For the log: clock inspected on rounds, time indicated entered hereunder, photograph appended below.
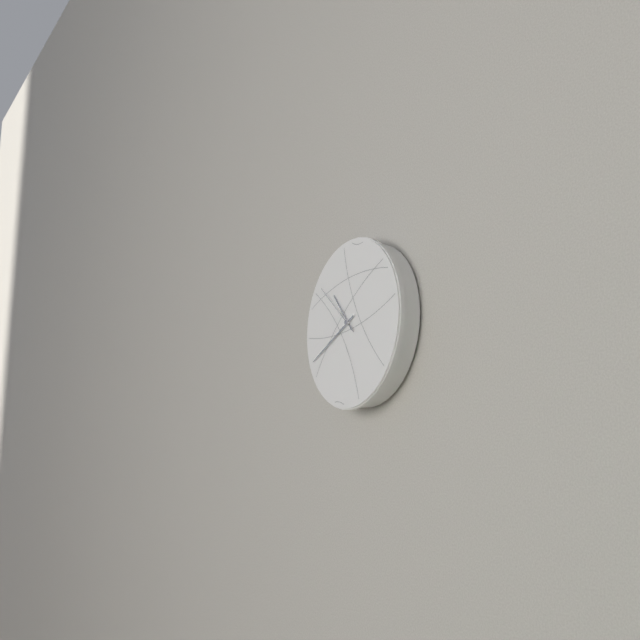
10:41:52
